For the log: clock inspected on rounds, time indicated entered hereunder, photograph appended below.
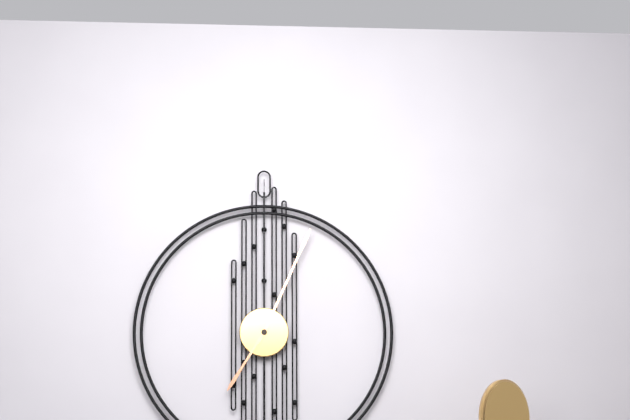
7:04
